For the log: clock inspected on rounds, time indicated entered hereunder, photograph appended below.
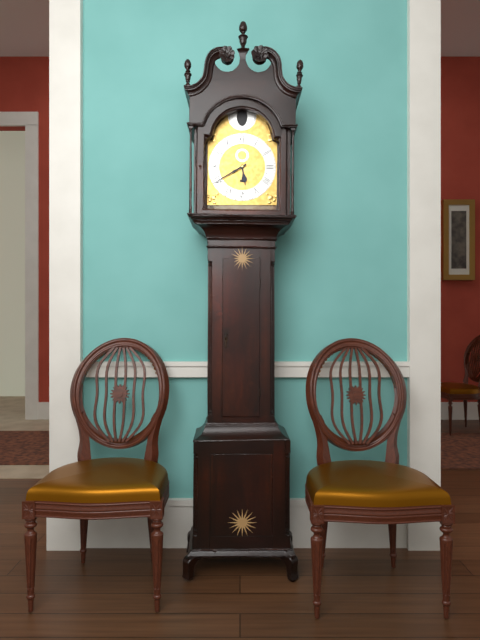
5:40
